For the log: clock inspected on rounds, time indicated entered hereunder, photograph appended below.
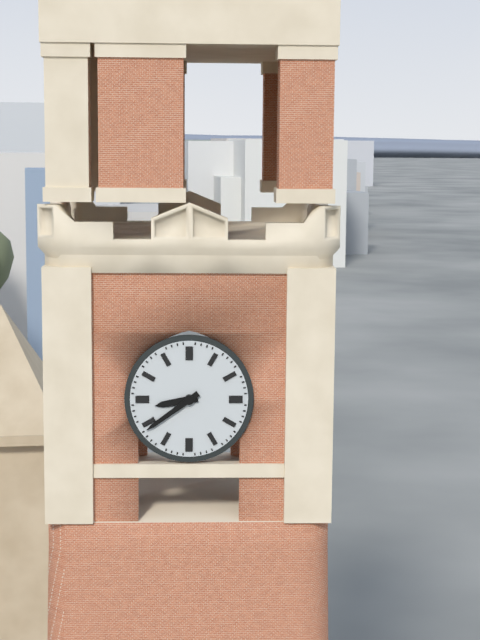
8:39
